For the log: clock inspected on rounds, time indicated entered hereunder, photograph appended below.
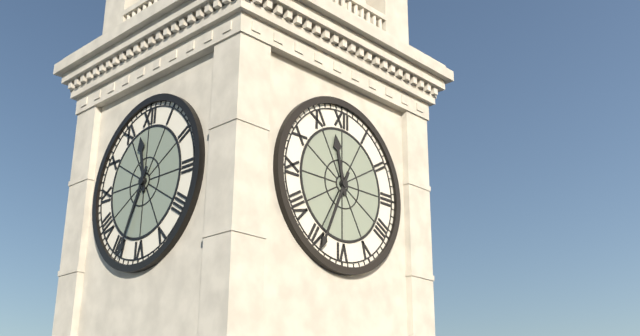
11:34
